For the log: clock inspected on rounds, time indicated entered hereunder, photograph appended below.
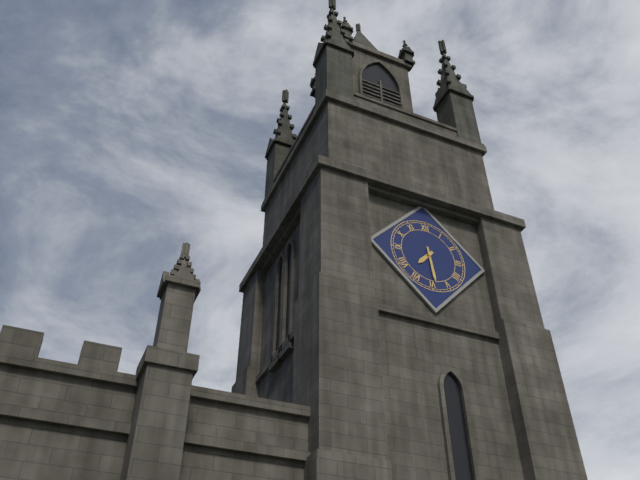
7:29
